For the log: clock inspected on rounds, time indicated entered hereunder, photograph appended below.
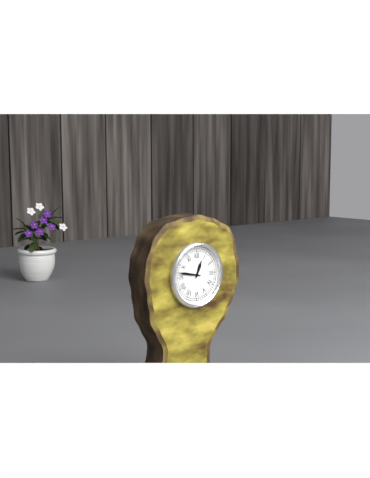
12:47
